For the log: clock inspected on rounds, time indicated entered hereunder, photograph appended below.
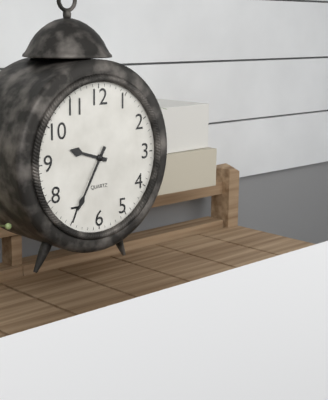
9:35
